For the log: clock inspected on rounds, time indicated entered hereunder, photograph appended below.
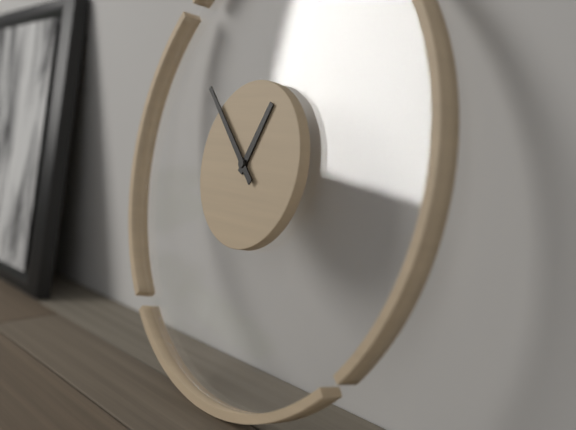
12:52
